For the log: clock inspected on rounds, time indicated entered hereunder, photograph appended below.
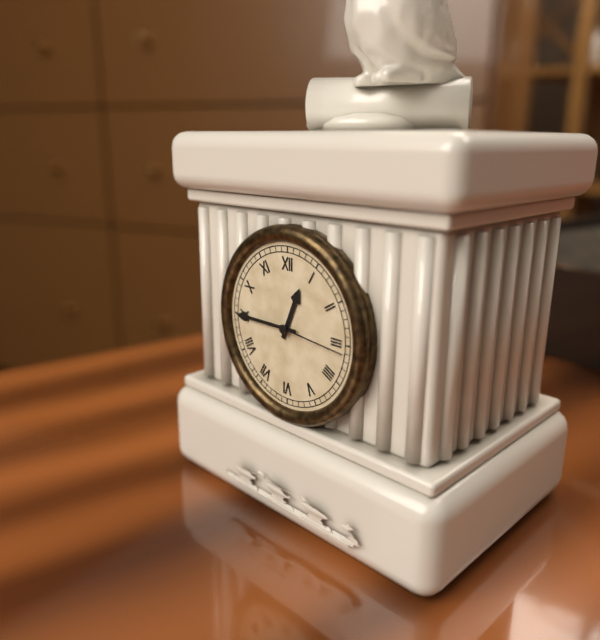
12:45:16
